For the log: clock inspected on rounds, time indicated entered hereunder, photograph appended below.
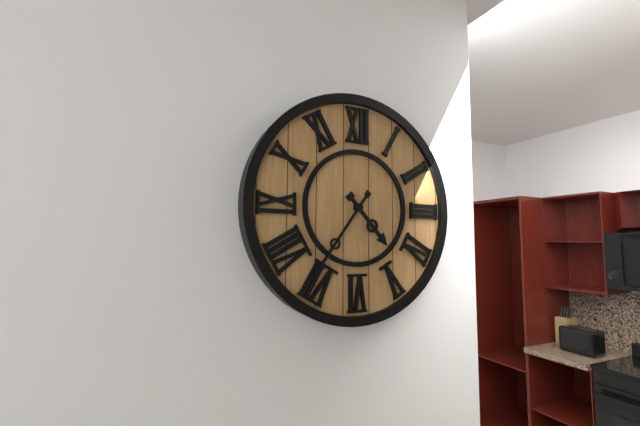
4:36
